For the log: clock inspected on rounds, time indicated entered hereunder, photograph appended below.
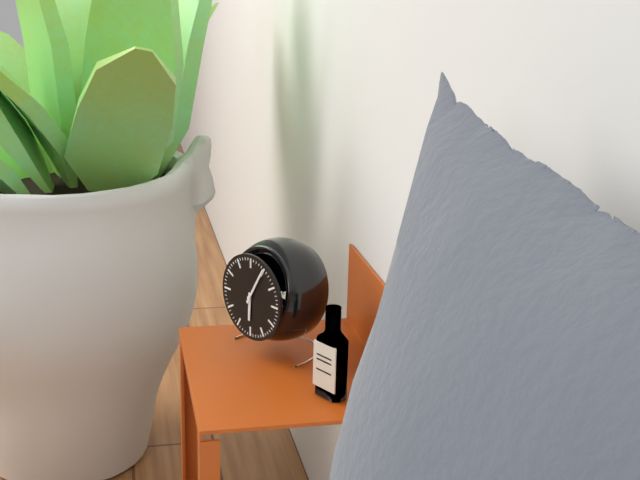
6:05
